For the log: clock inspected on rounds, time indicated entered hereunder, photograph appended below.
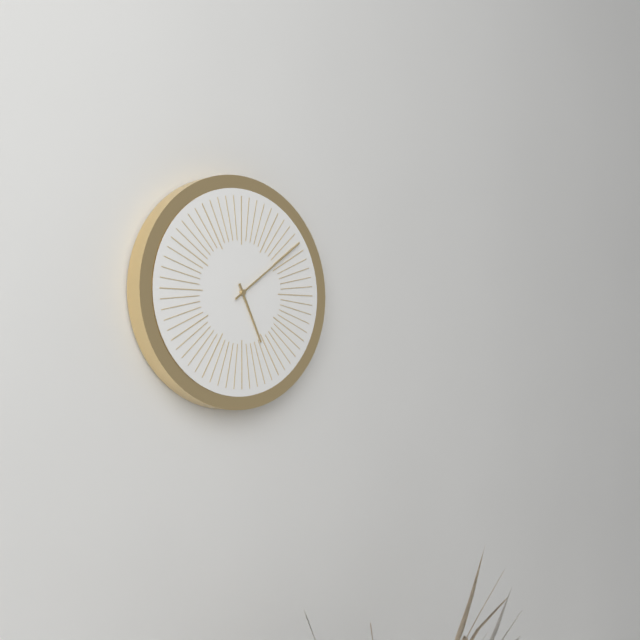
5:09
